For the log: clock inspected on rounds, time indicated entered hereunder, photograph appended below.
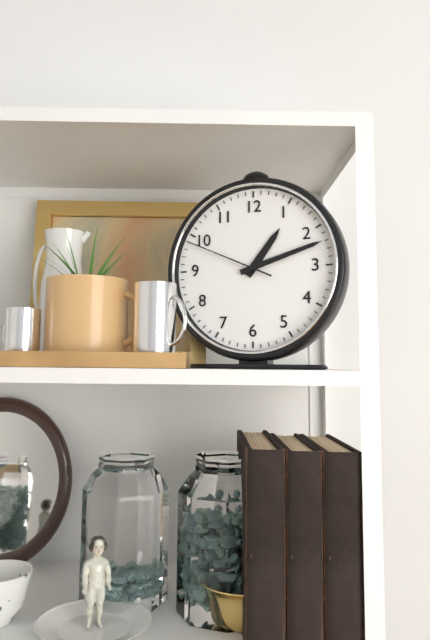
1:12:49
